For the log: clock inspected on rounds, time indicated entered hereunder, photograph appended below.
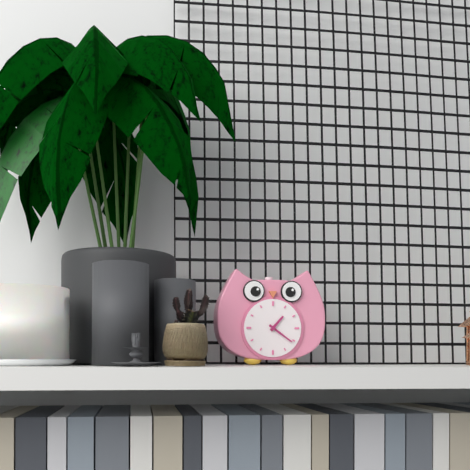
1:21
